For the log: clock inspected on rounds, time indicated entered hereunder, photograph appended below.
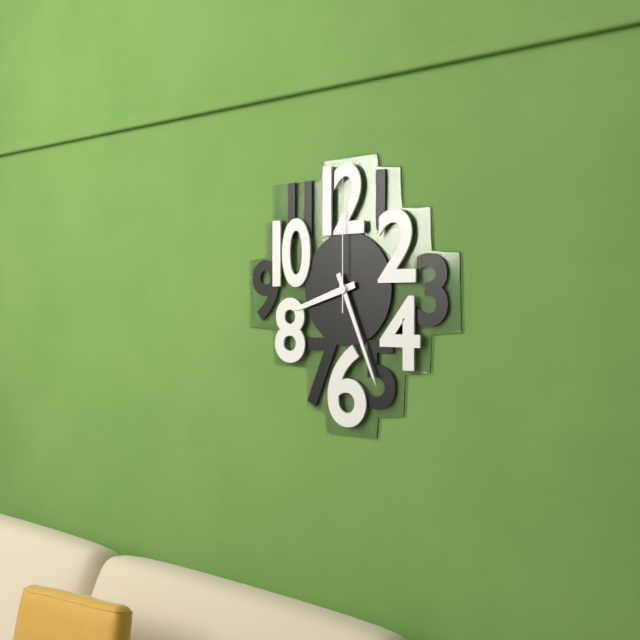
8:26:00
